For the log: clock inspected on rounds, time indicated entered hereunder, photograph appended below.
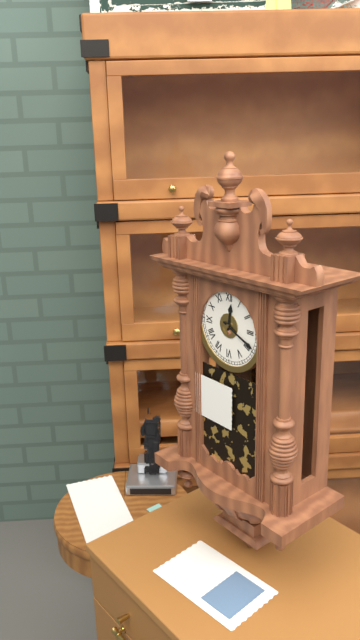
12:19
